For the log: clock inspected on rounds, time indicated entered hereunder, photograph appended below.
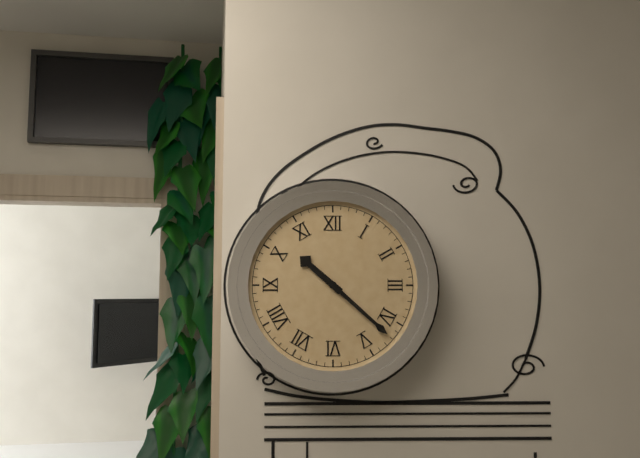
10:22
